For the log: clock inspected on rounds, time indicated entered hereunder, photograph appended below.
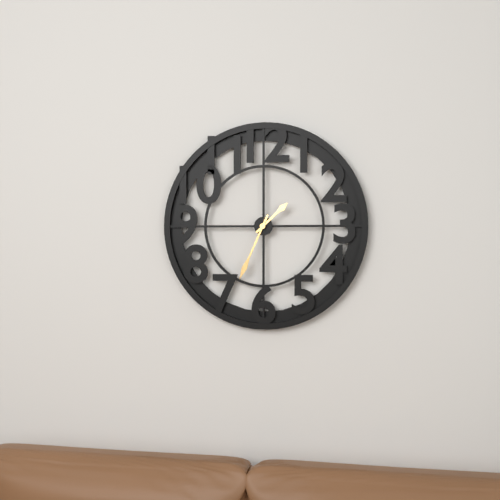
1:34
